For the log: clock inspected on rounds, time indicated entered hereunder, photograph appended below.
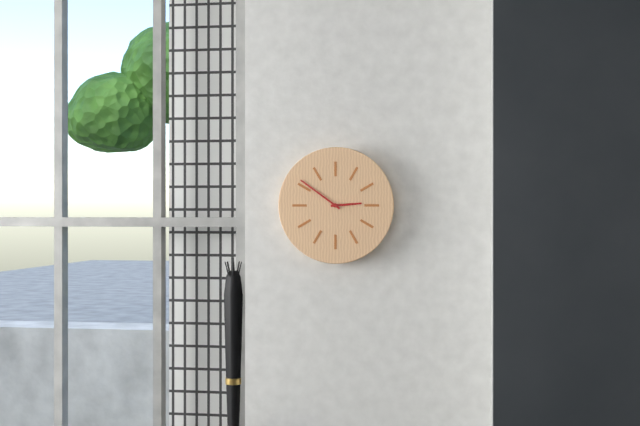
2:51
